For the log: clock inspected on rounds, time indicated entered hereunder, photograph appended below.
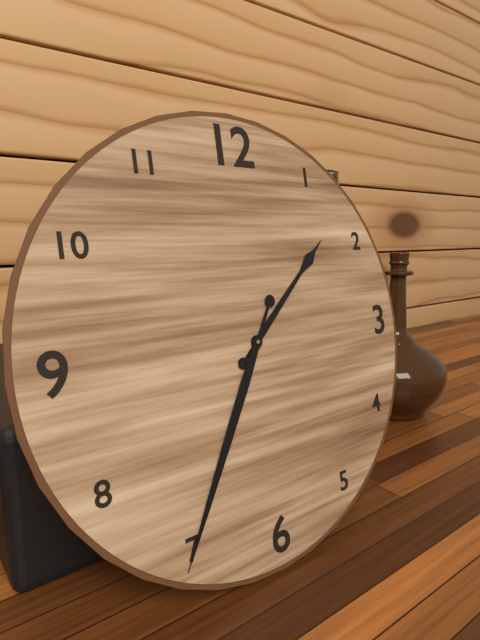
1:35
